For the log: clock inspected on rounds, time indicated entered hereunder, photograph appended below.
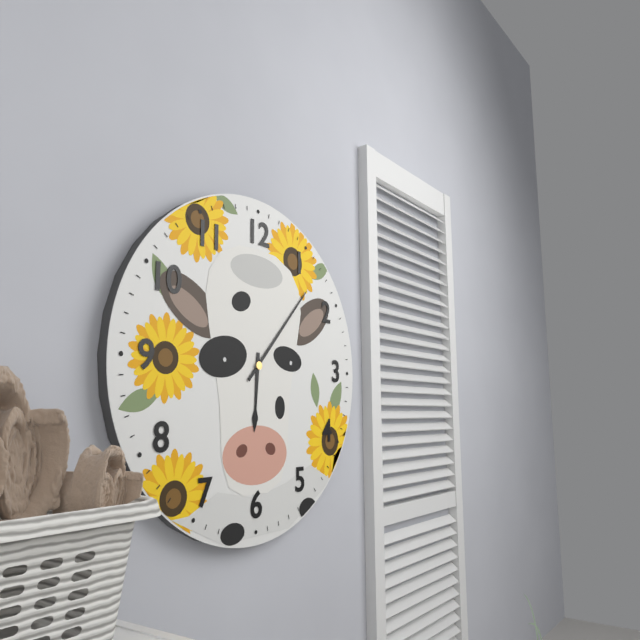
6:07
